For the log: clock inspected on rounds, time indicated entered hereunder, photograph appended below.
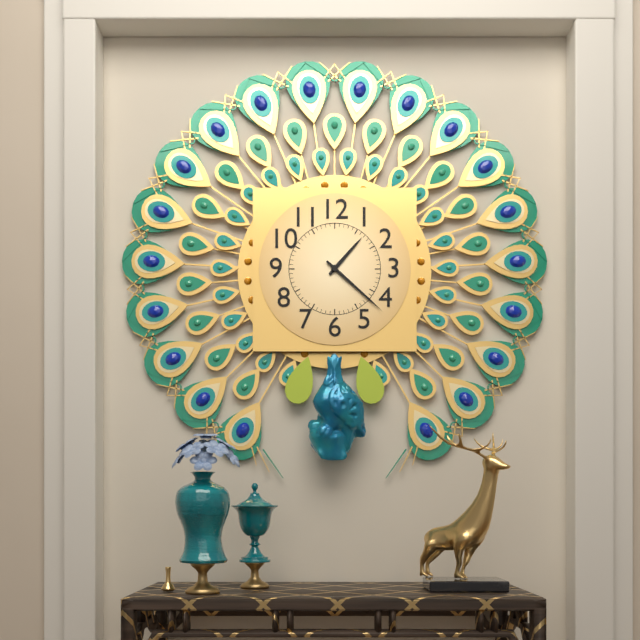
1:22
